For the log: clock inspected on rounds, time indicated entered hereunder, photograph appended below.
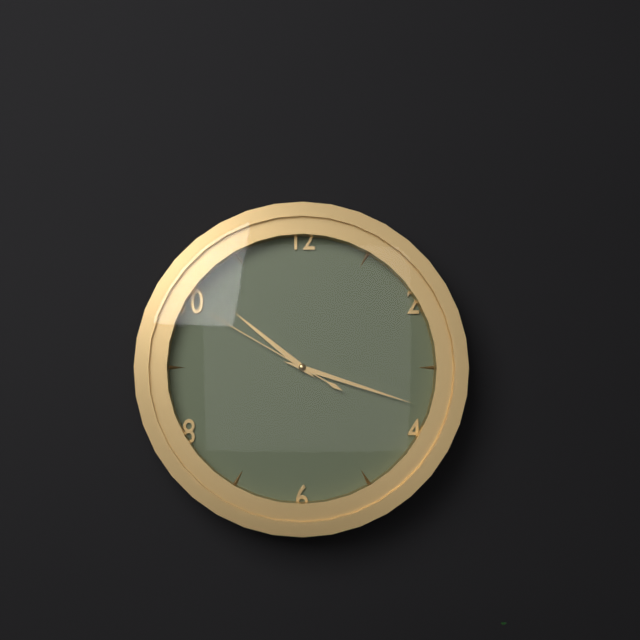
10:18:50
